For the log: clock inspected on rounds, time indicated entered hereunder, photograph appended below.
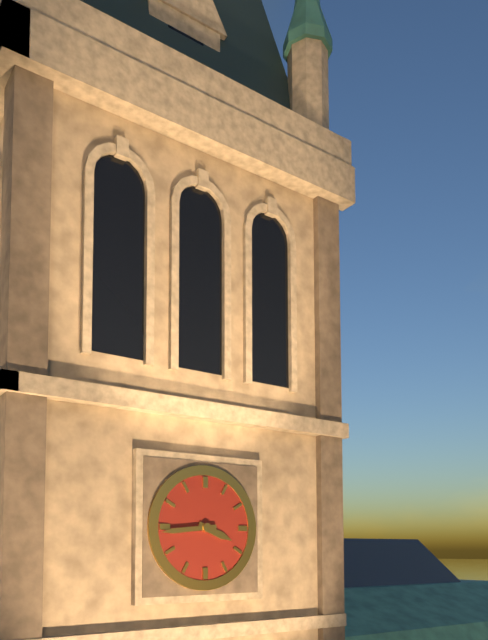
3:44
